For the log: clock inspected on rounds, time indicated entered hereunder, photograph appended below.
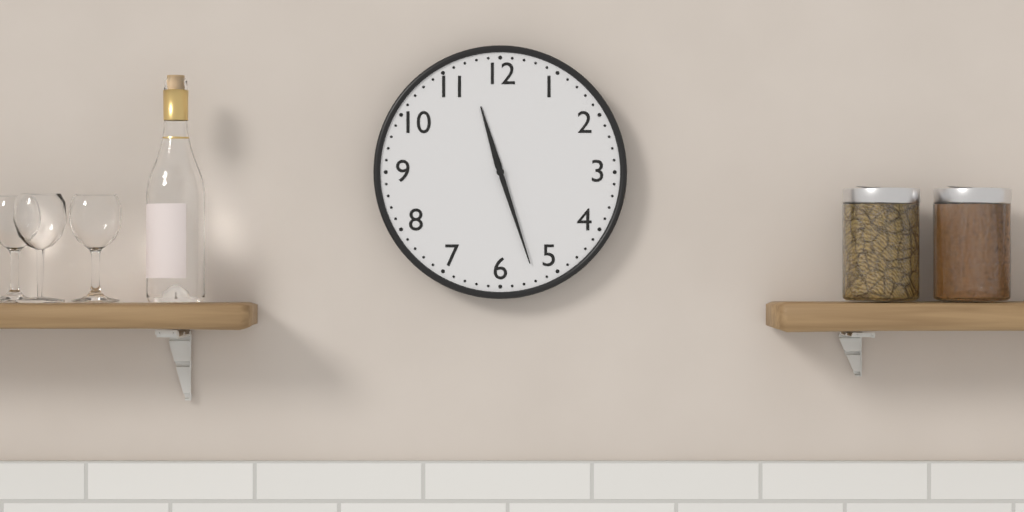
11:27
